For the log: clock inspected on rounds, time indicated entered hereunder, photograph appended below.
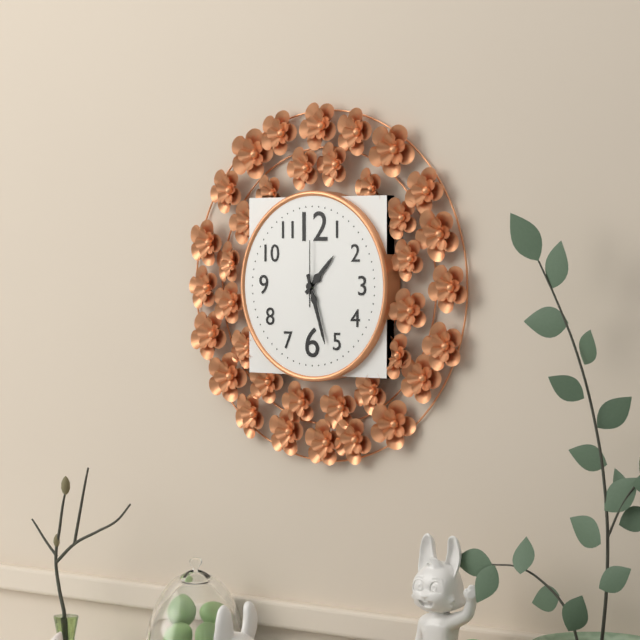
1:27:00
